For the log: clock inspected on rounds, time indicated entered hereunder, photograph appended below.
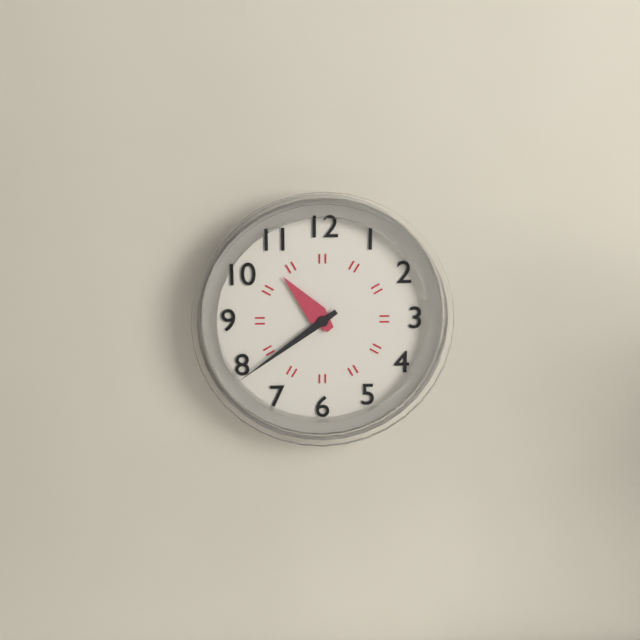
10:39
